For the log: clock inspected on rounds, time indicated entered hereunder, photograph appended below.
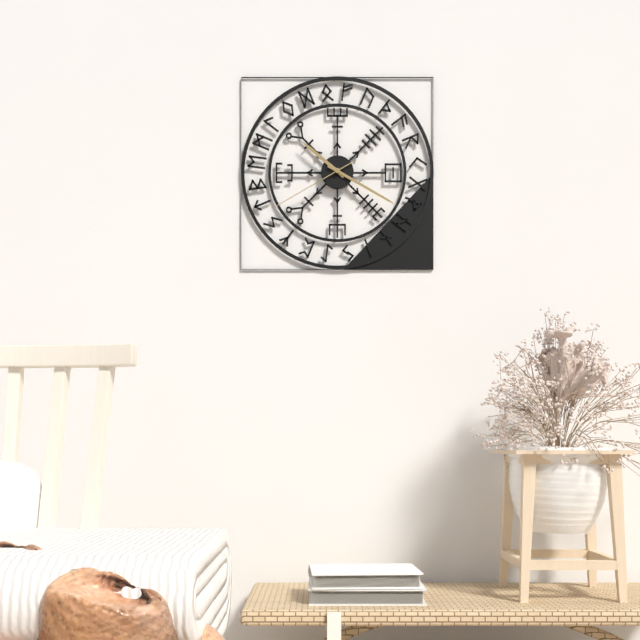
10:20:40
